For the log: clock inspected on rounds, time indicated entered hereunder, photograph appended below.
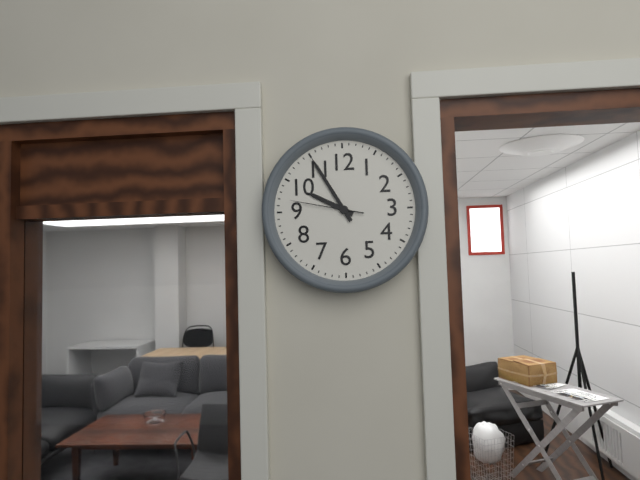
9:55:47
